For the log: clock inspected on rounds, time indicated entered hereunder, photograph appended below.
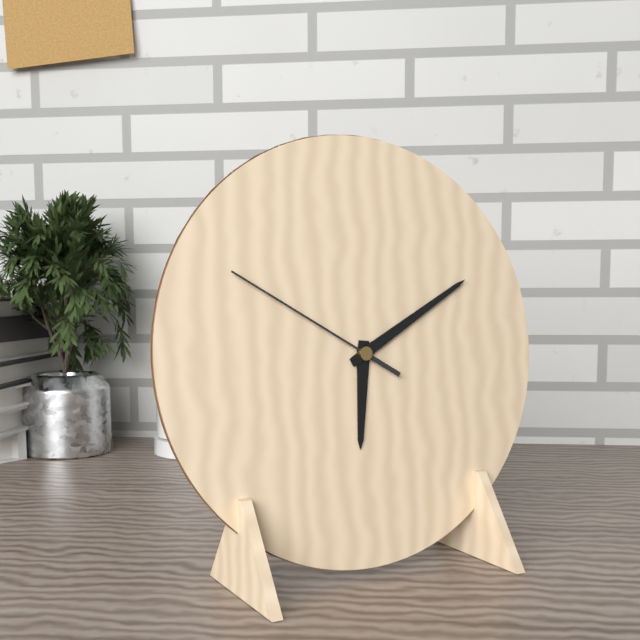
6:10:50
